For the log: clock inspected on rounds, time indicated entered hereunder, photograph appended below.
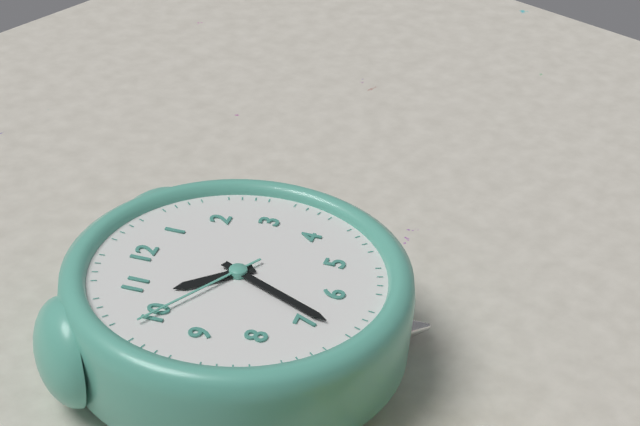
10:34:50
